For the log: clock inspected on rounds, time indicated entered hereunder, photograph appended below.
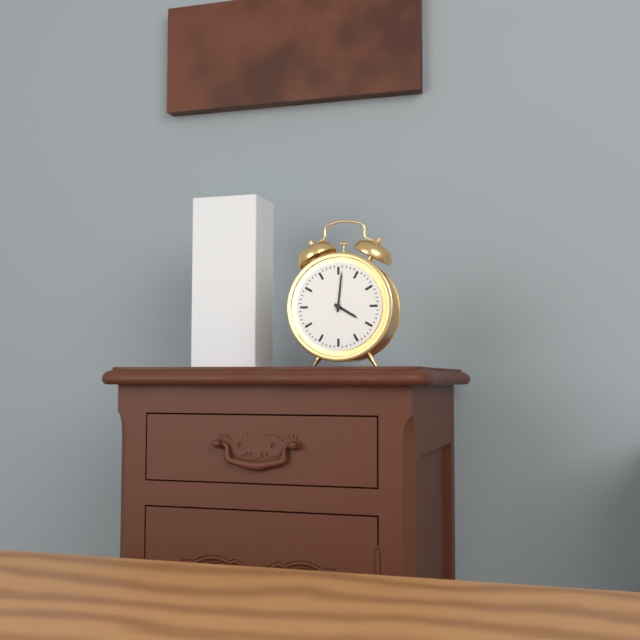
4:01
